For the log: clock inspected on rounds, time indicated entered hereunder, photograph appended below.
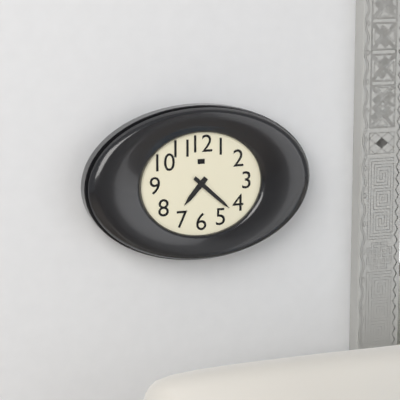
7:22
